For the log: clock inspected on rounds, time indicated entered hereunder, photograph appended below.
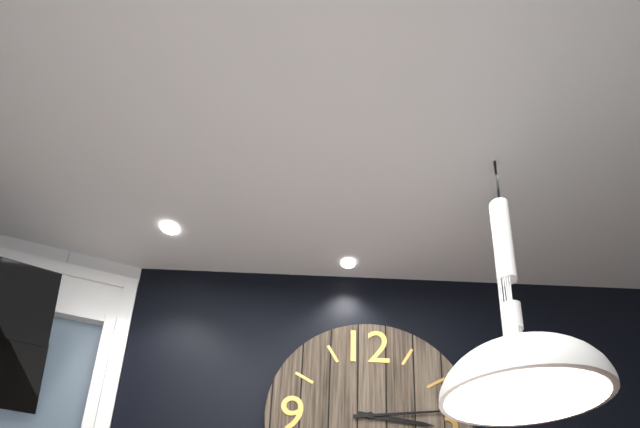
3:14
